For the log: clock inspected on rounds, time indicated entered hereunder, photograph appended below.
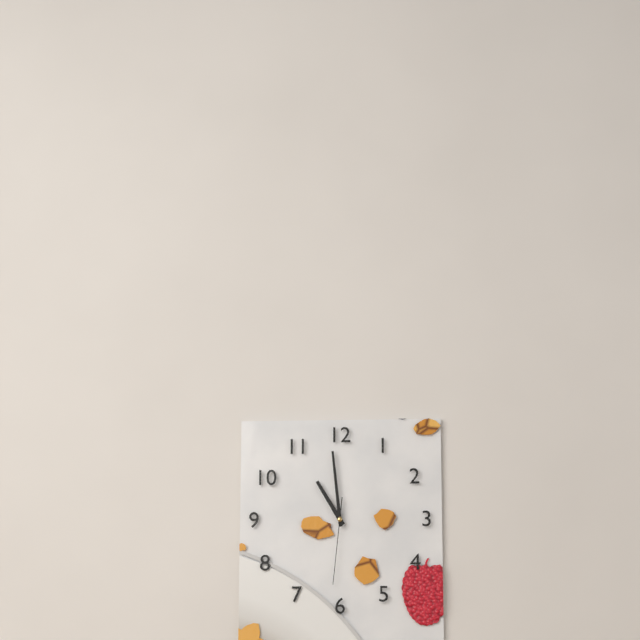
10:59:31
